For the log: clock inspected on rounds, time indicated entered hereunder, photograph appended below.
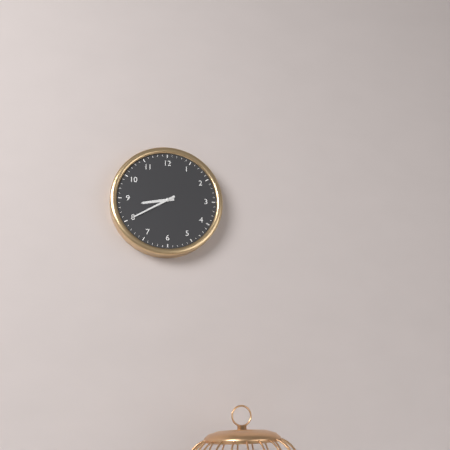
8:40
